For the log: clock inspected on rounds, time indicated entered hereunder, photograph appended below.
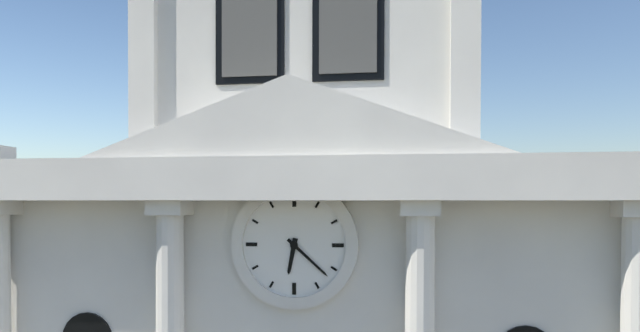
6:22
